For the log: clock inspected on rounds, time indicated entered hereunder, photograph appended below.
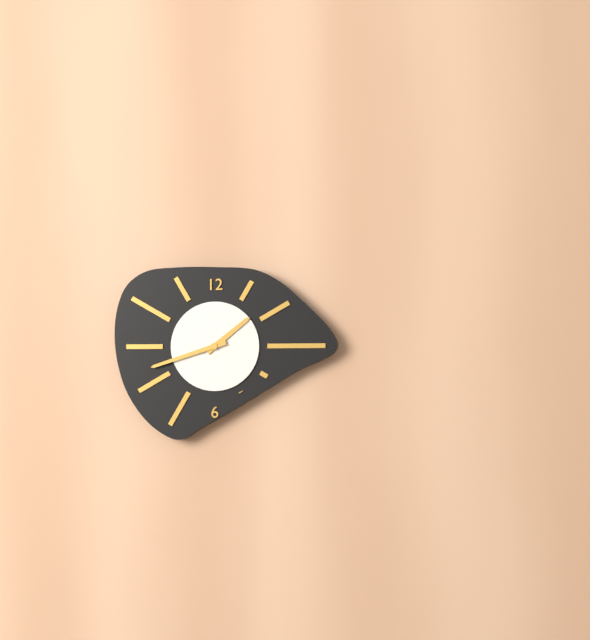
1:42
